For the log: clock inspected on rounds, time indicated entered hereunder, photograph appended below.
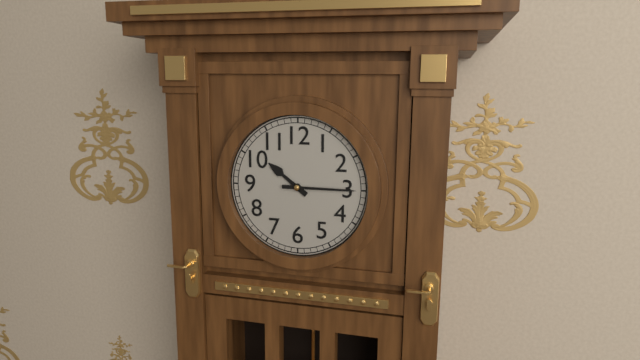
10:15
